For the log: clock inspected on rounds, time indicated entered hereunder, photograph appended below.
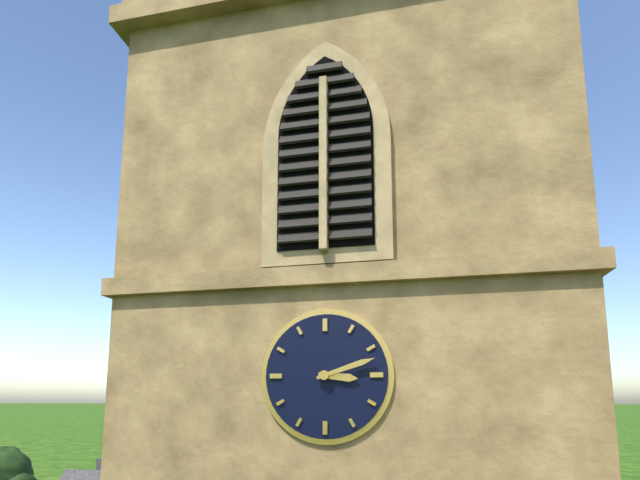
3:12
